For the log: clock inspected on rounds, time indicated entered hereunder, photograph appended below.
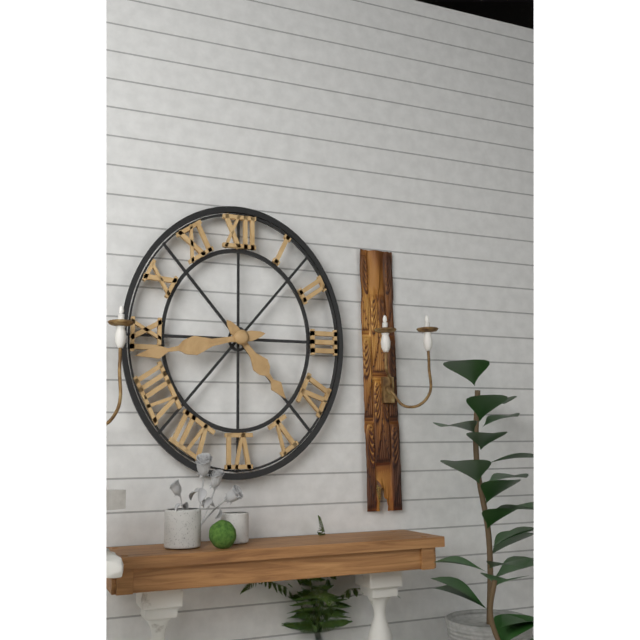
4:43
